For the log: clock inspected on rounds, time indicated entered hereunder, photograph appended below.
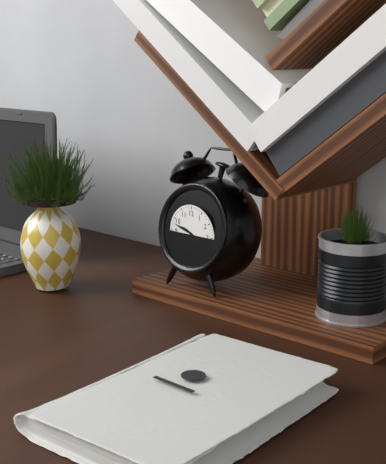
9:48
